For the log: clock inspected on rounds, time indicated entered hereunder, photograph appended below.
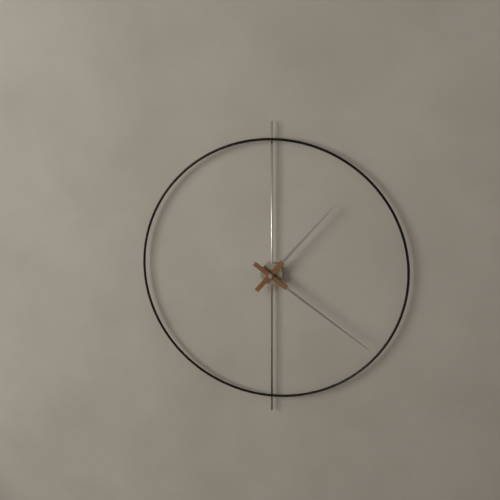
1:21
